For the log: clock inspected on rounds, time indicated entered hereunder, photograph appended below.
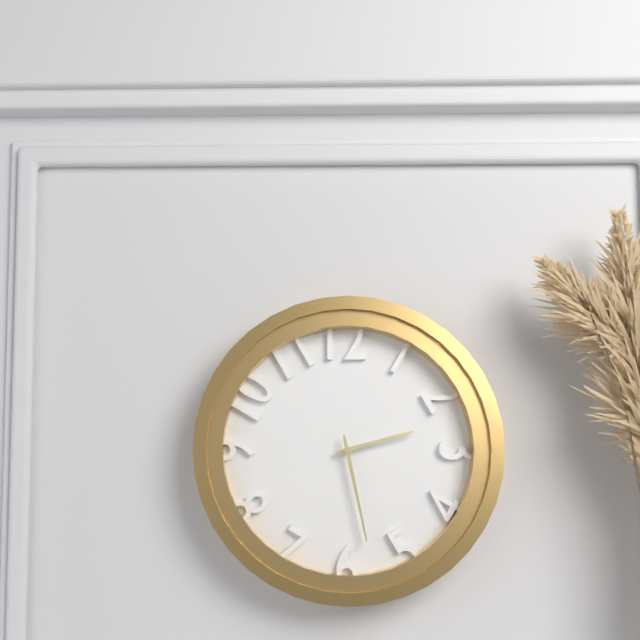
2:28
